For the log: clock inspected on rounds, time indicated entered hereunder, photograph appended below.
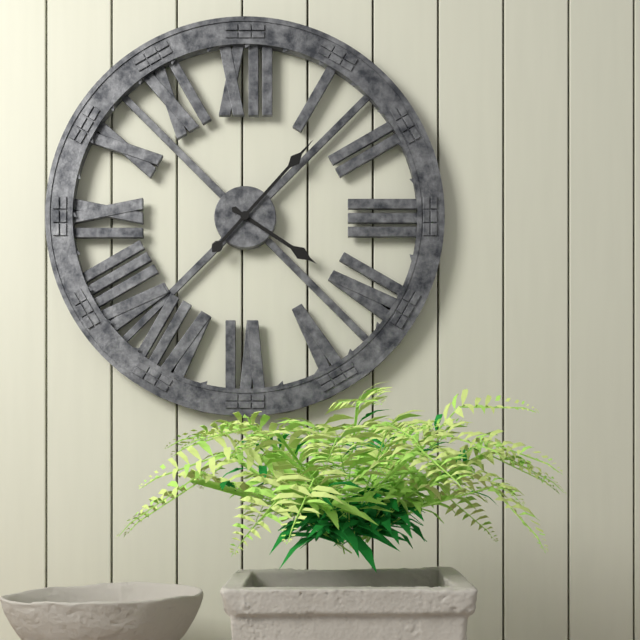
4:07
